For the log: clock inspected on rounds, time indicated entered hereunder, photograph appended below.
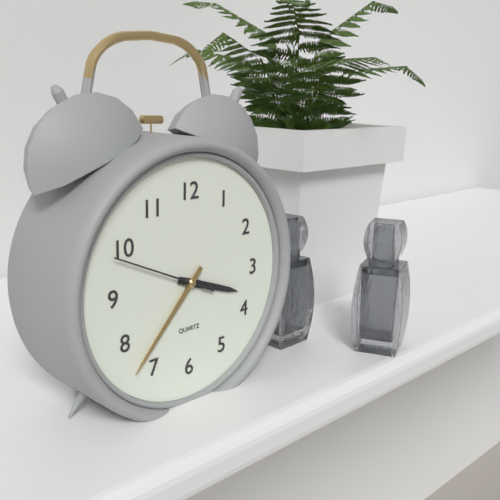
3:37:49
